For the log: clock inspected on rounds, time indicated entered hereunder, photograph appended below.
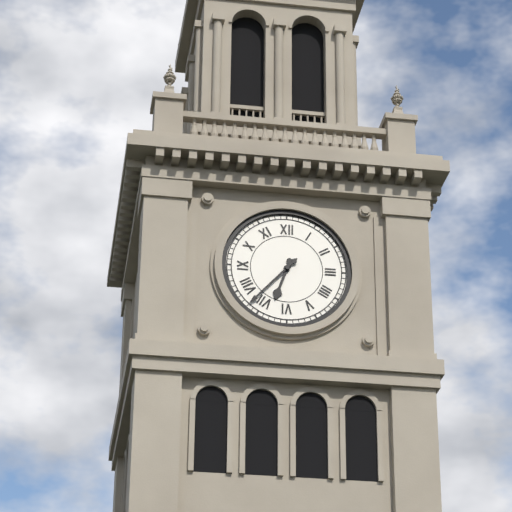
6:37
